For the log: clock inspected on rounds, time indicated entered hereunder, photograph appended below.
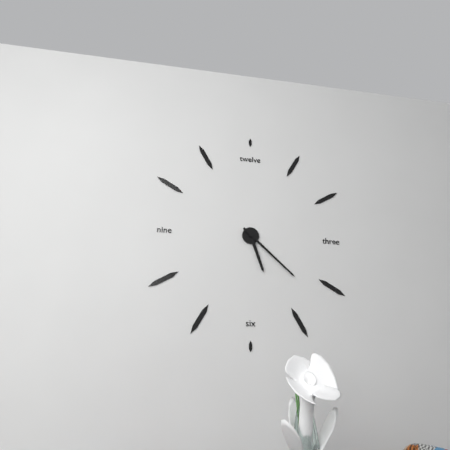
5:22
